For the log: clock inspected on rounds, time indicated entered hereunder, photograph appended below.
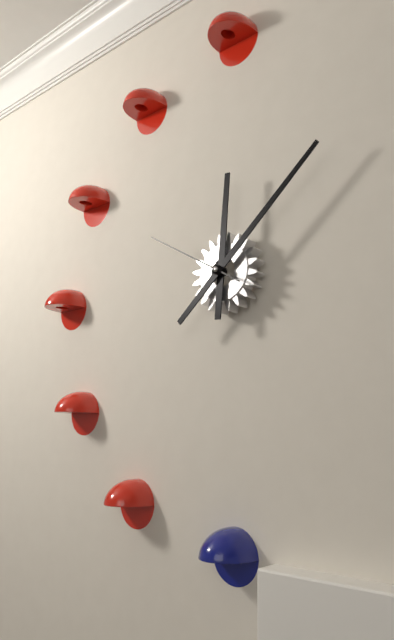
12:08:50
